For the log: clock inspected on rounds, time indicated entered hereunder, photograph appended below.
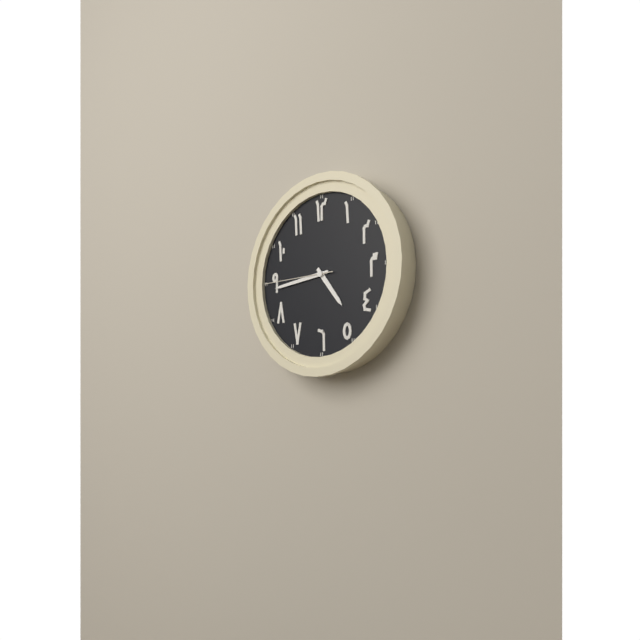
4:44:45
